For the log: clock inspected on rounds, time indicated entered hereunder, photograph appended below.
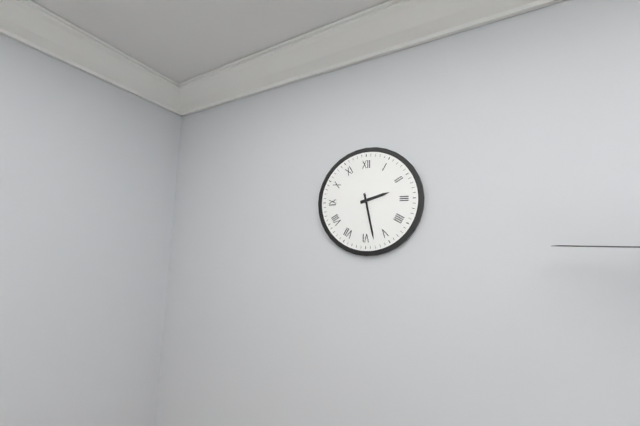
2:28
